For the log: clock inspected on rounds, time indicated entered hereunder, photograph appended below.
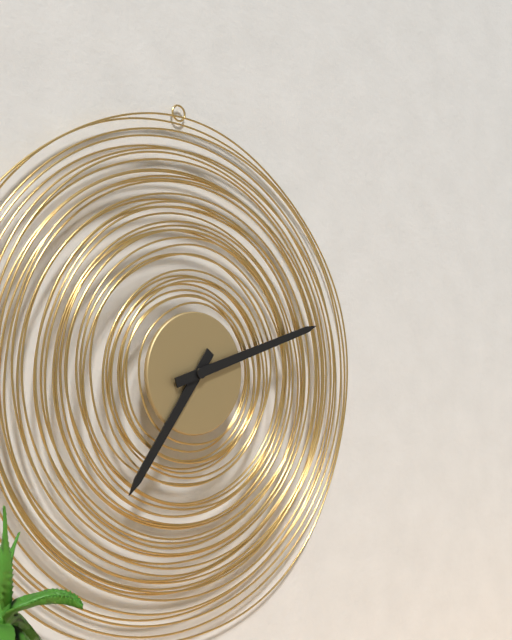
7:12
